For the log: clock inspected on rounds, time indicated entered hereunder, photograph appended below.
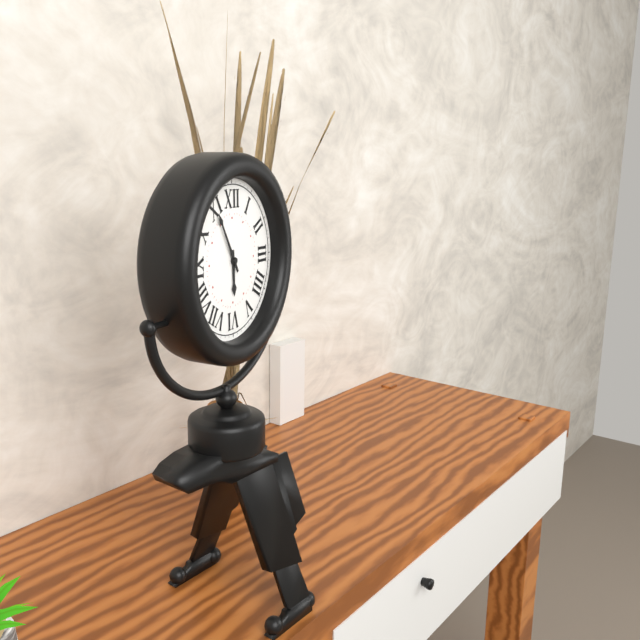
5:55
